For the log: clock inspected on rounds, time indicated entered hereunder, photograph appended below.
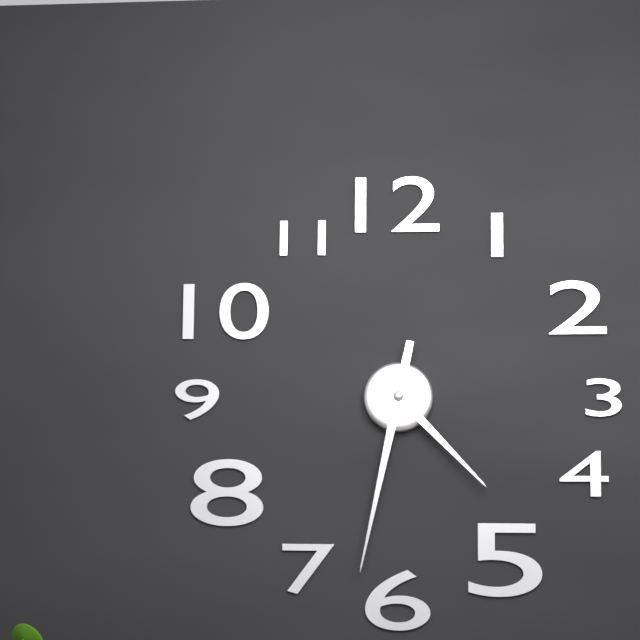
4:32
